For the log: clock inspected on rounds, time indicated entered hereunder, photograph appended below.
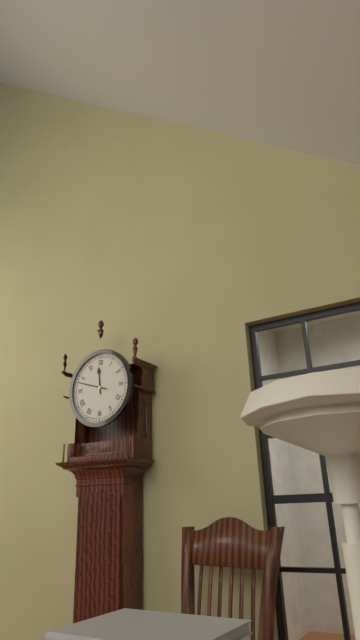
11:48
